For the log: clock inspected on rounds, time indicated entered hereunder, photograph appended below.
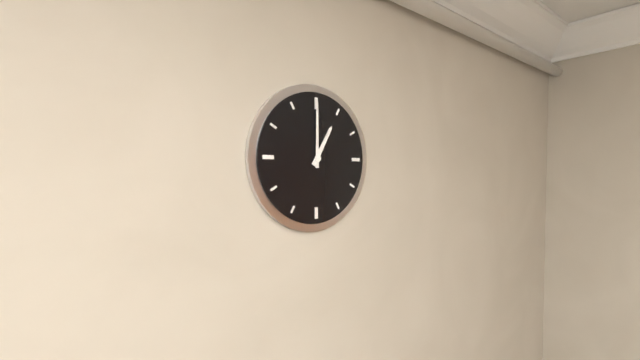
1:00
